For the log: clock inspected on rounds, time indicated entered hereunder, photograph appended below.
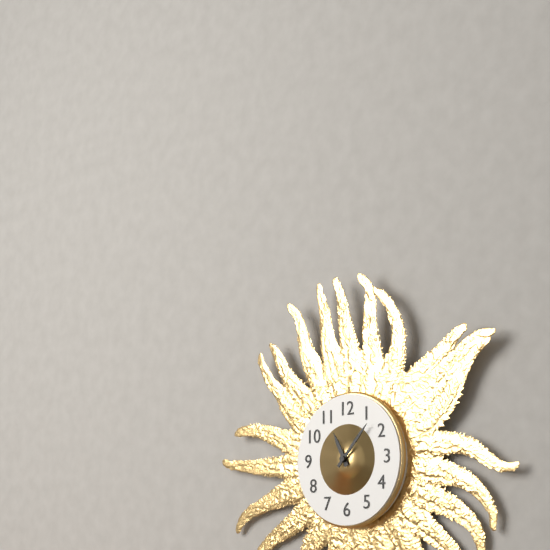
11:07
